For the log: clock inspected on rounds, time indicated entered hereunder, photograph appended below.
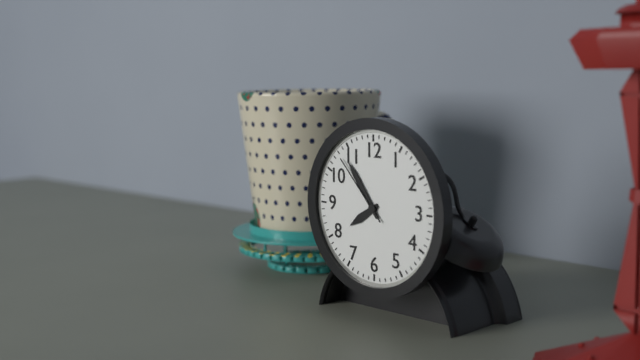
7:54:53
